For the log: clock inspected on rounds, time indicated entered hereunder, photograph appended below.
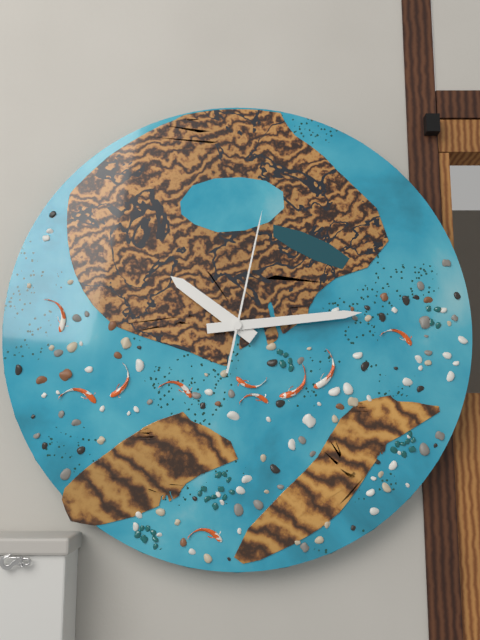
10:14:02
